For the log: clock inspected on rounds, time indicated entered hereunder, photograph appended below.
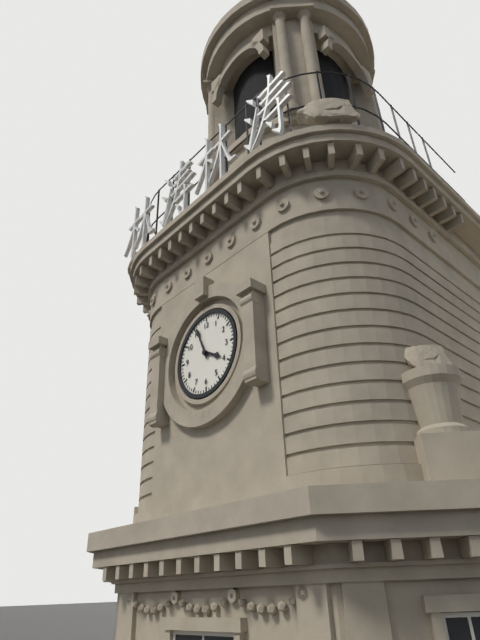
3:56
